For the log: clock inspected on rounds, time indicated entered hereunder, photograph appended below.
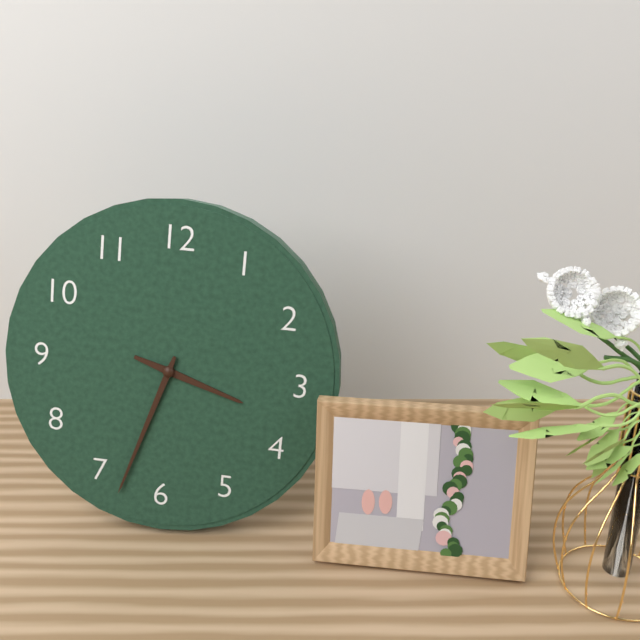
3:33
